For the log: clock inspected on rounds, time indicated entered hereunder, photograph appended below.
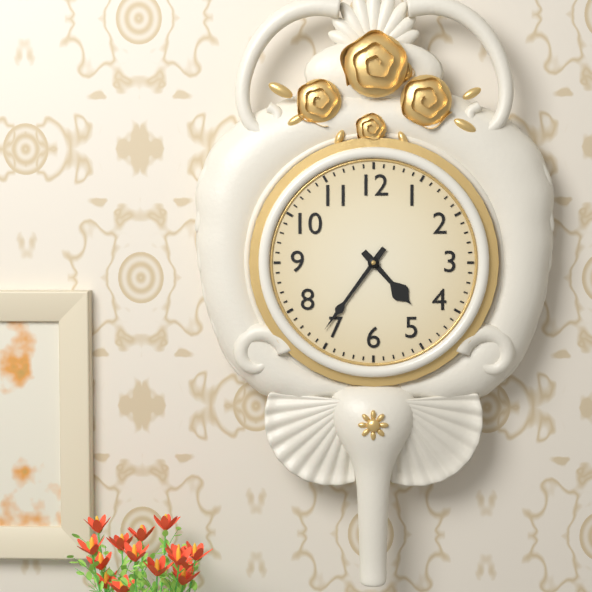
4:36
